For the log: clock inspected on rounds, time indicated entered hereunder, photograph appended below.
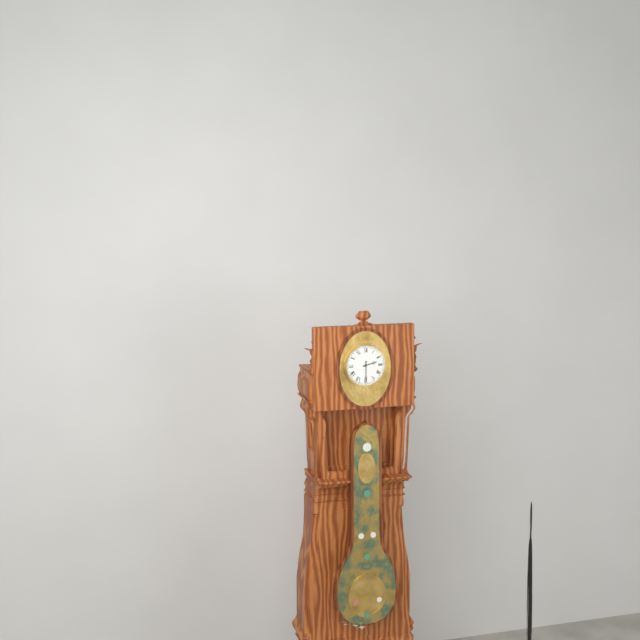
2:30
